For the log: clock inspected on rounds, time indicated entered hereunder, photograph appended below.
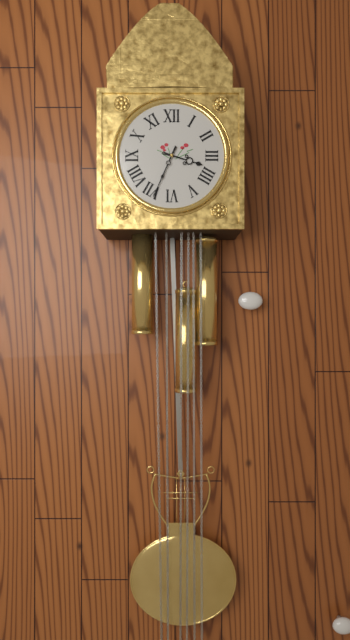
3:34
